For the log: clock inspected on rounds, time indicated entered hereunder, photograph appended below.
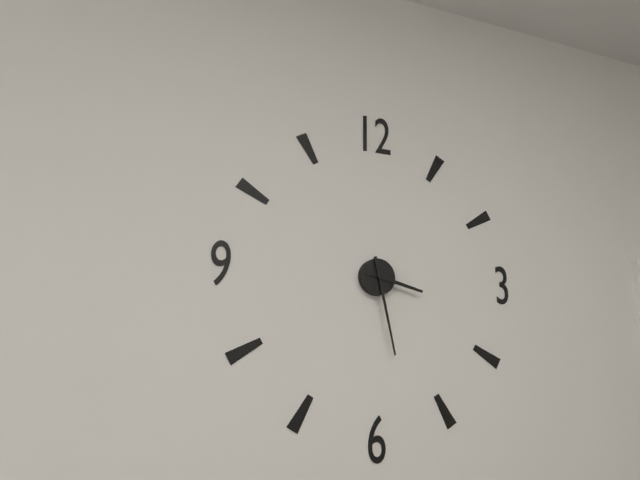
3:28
